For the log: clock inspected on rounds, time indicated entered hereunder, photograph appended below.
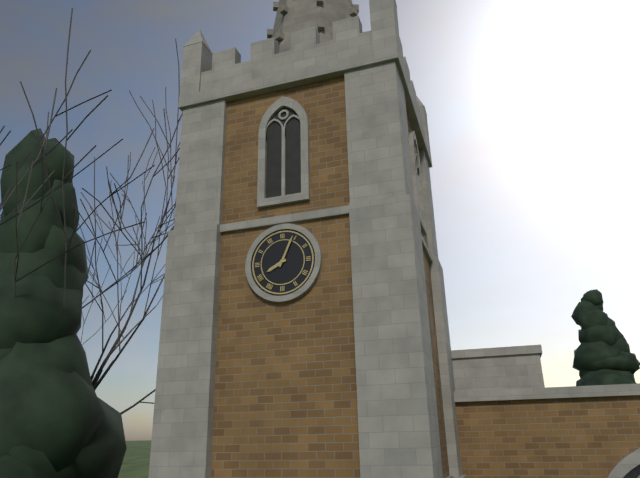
8:04
